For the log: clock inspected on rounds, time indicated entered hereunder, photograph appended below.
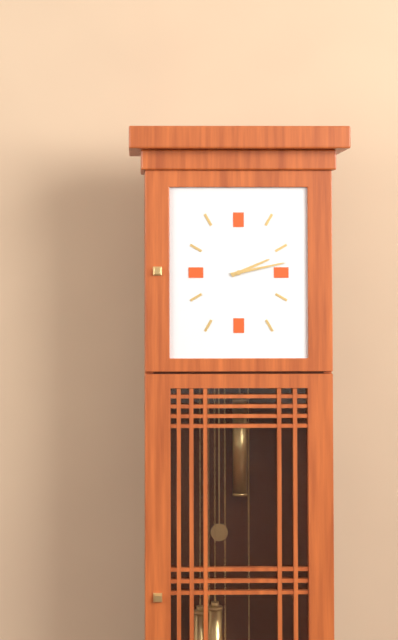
2:13
